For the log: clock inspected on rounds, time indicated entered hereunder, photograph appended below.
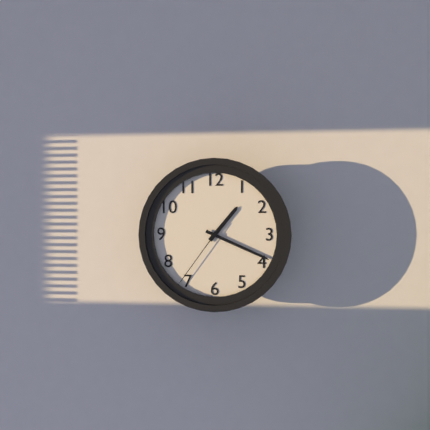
1:19:36
